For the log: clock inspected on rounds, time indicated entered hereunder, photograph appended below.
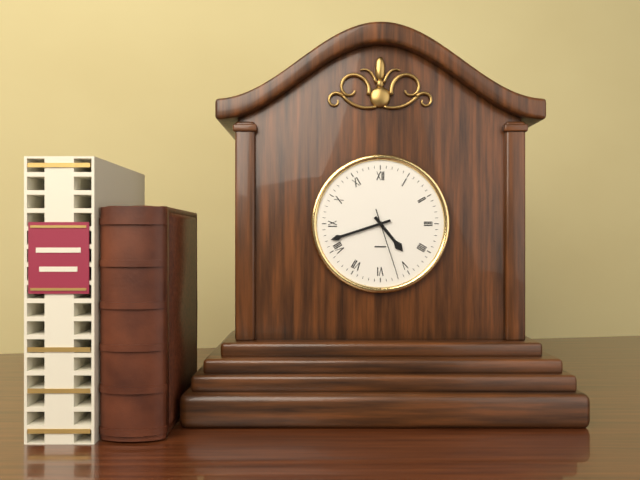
4:42:27
